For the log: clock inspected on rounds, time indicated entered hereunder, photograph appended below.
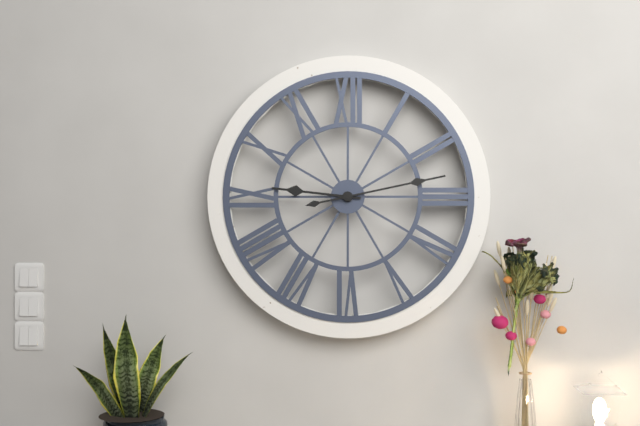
9:13
